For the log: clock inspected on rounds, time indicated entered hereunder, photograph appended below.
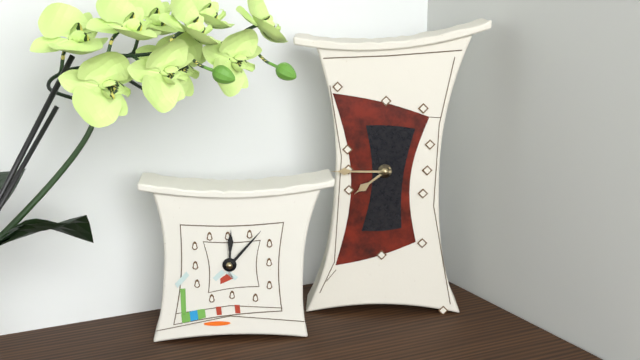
7:45
